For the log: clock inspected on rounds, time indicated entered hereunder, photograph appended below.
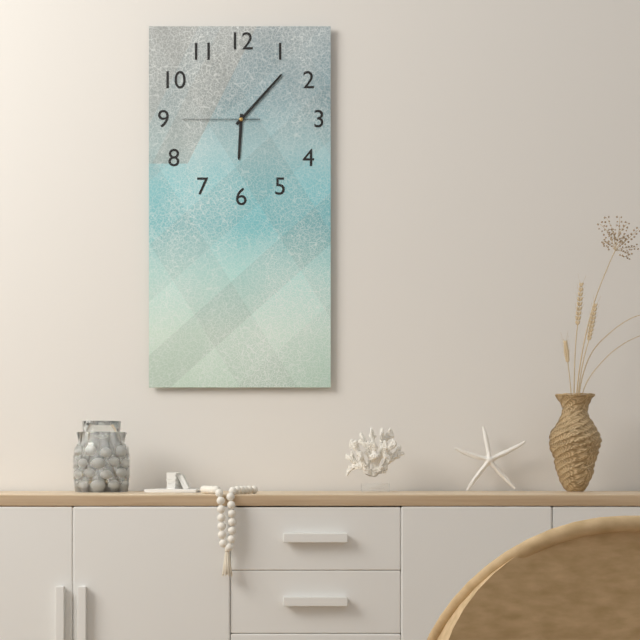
6:07:45
